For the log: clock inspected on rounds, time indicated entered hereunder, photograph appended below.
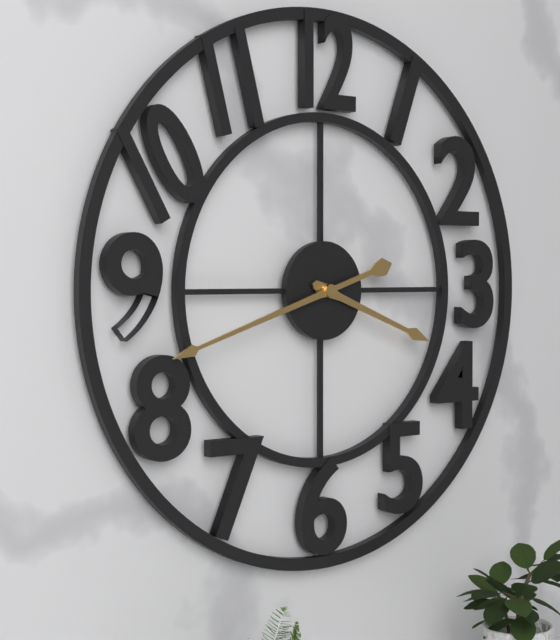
3:42
